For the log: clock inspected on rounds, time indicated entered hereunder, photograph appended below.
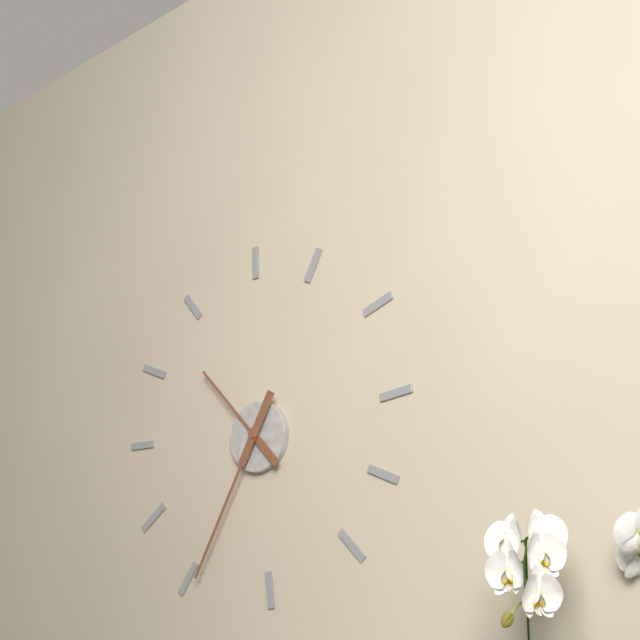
10:35
